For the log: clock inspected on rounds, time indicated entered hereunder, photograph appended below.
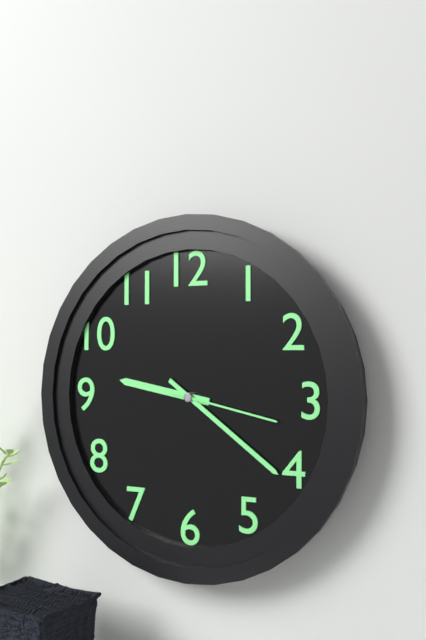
9:21:17
